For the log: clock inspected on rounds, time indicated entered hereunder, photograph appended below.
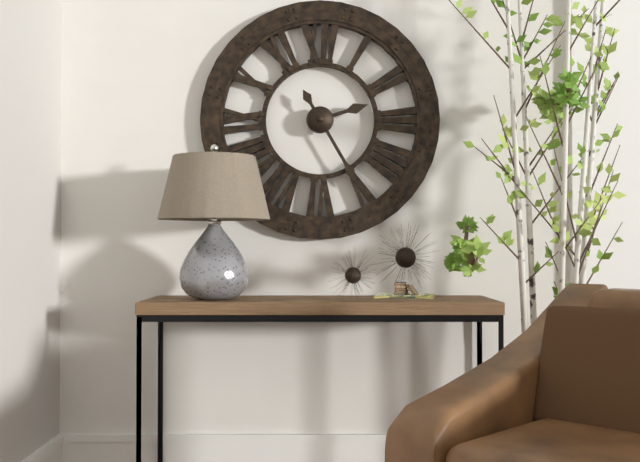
2:25
